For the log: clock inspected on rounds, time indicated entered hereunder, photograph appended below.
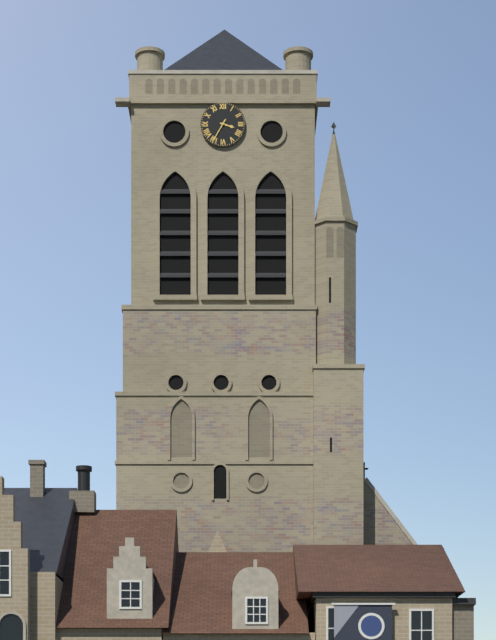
3:35
